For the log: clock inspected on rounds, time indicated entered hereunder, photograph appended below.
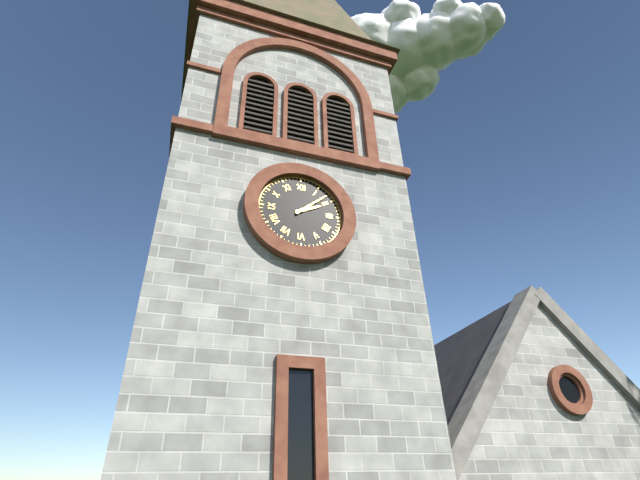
2:08
